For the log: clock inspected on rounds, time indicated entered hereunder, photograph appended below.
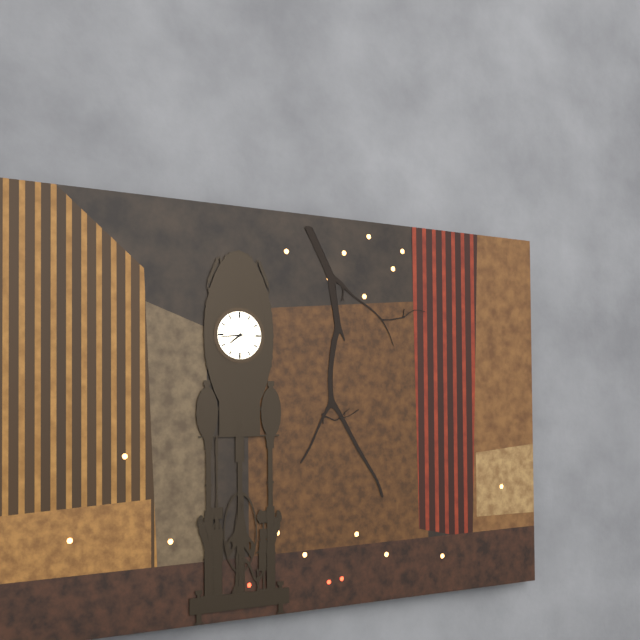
7:44
